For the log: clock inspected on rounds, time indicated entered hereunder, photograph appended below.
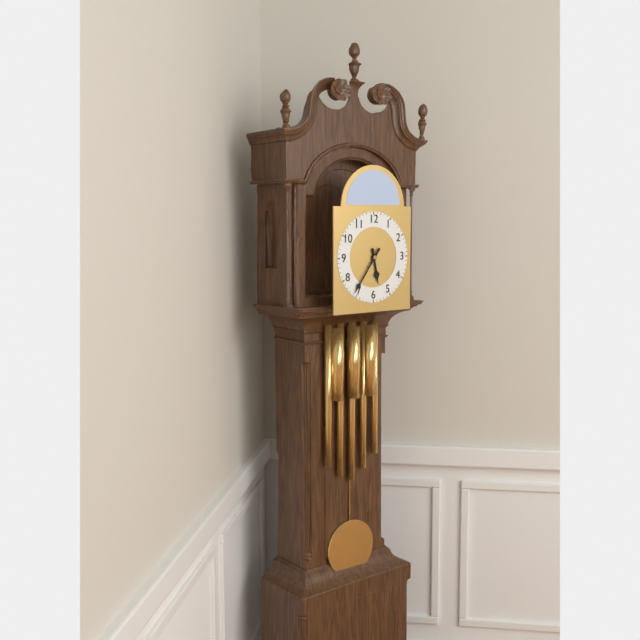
5:36
